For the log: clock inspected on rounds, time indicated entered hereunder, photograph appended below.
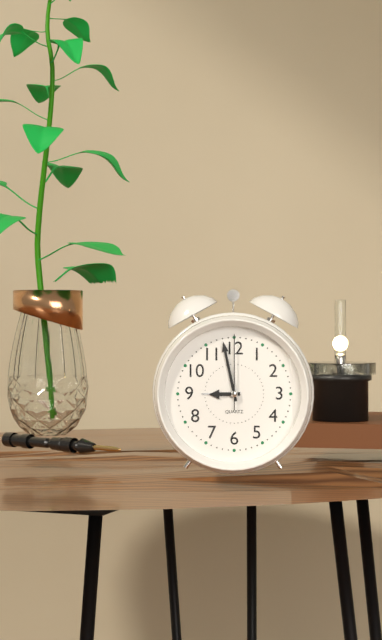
8:58:00
